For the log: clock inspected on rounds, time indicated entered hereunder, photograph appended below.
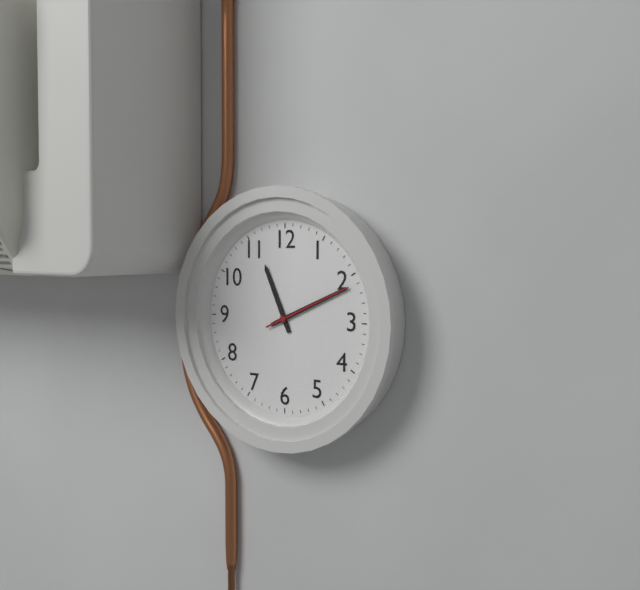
11:11:11
